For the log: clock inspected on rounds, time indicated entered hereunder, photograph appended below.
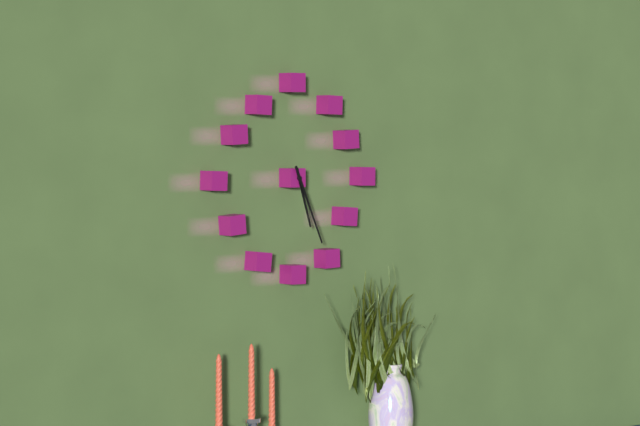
5:26
